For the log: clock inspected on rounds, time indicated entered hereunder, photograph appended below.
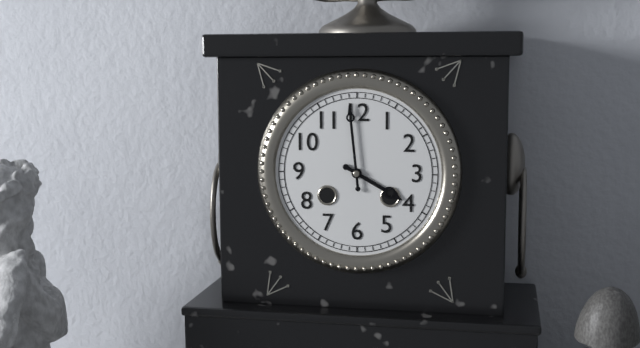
3:59
